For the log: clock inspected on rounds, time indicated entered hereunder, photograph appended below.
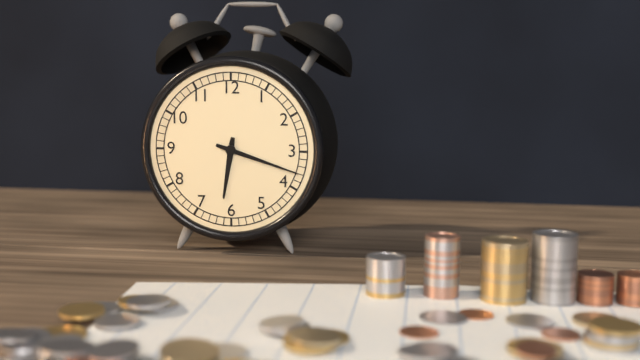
6:18
